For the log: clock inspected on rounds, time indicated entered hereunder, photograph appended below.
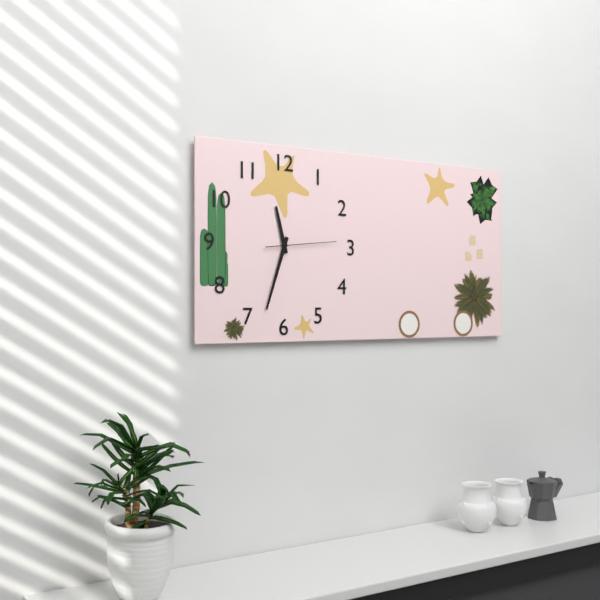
11:33:14
